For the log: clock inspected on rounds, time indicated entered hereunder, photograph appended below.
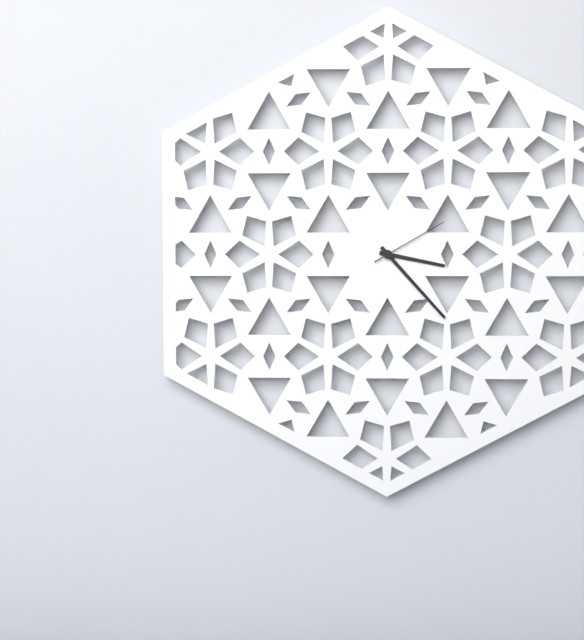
3:23:10
